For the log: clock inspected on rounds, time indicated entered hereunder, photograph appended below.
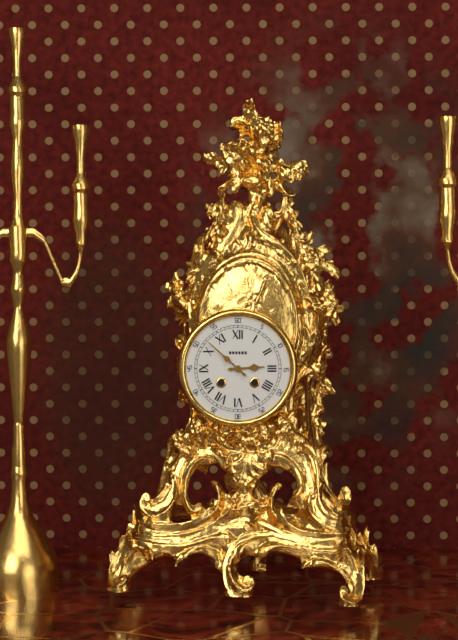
2:52
